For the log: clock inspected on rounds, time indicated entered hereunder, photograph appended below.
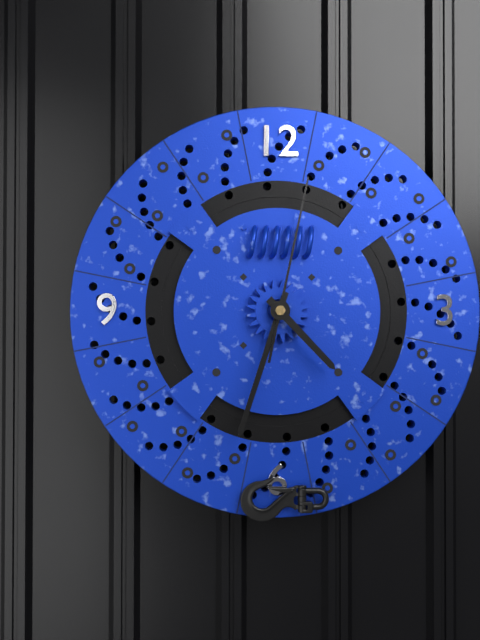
4:33:02
